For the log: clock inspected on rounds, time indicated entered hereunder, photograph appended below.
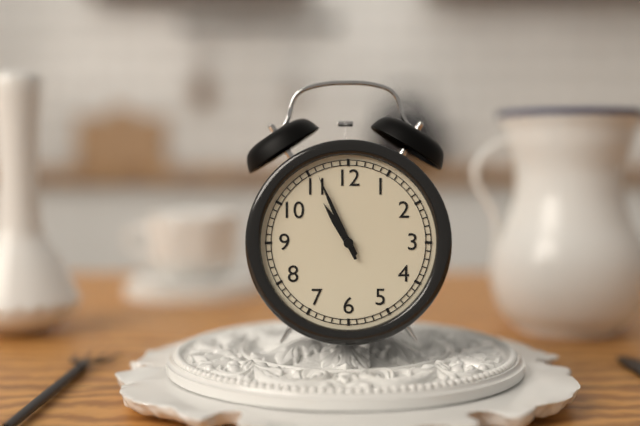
10:56
